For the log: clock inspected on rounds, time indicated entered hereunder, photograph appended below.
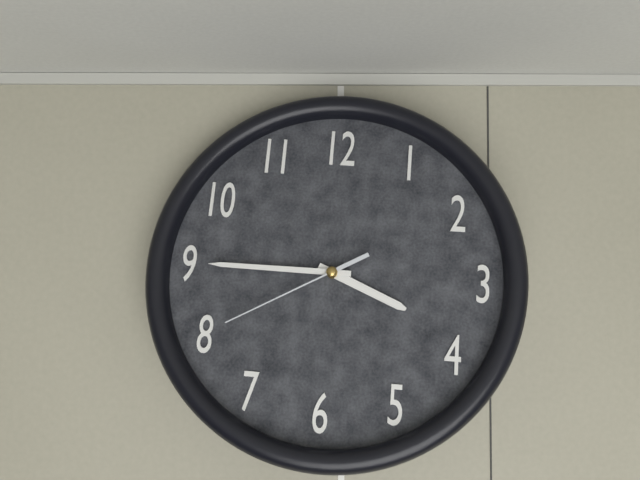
3:45:40
